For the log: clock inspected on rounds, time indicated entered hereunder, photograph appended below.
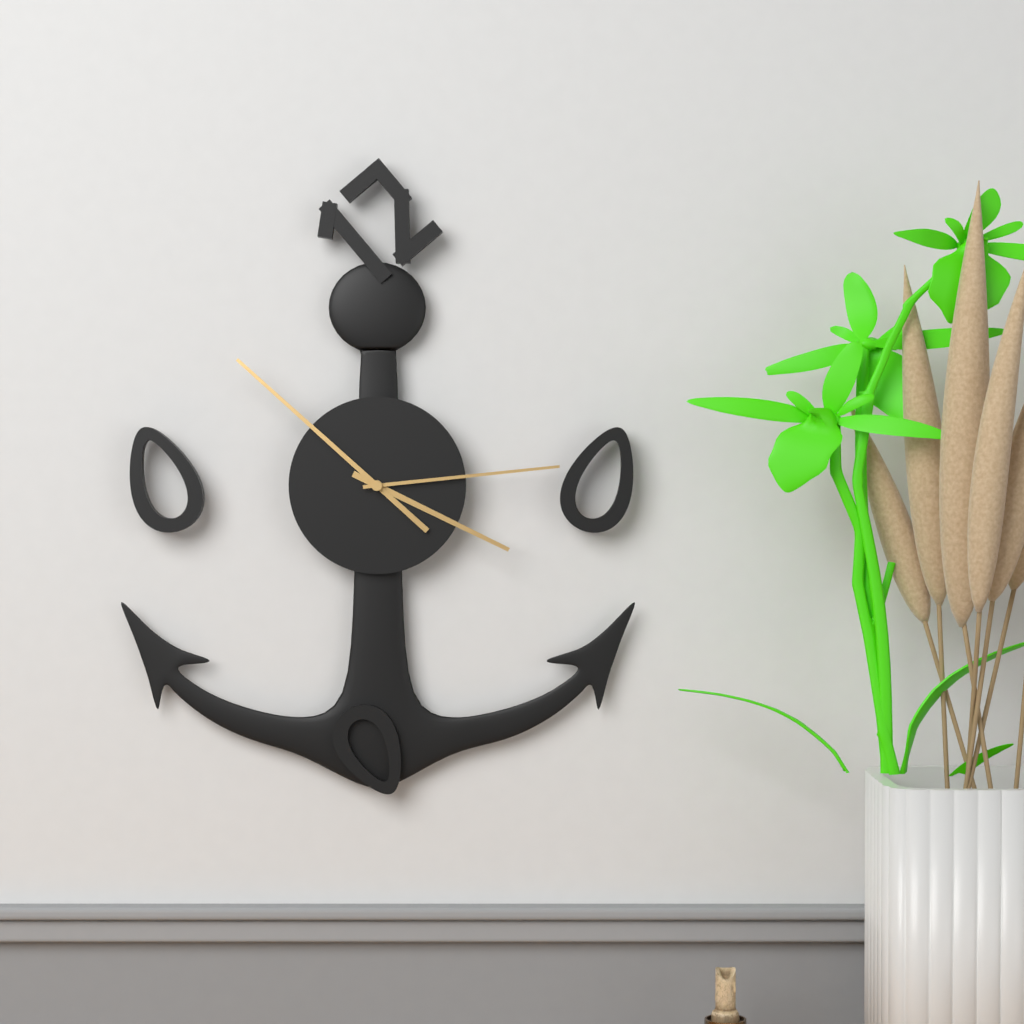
3:52:14
